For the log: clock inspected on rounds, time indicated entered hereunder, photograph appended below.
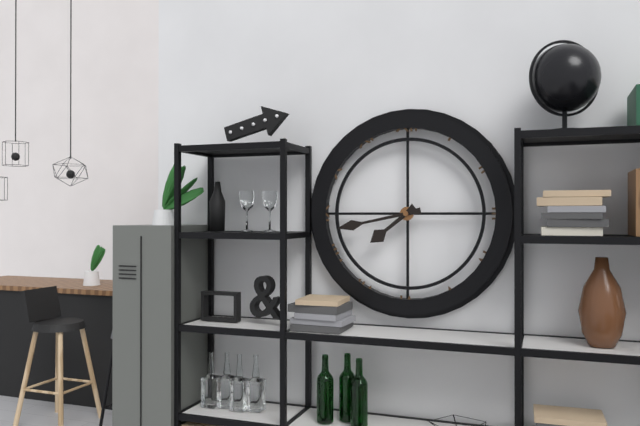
7:43
